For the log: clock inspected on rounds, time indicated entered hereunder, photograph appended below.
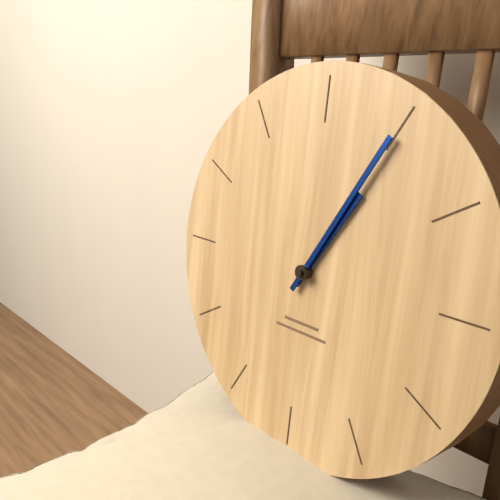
1:05
